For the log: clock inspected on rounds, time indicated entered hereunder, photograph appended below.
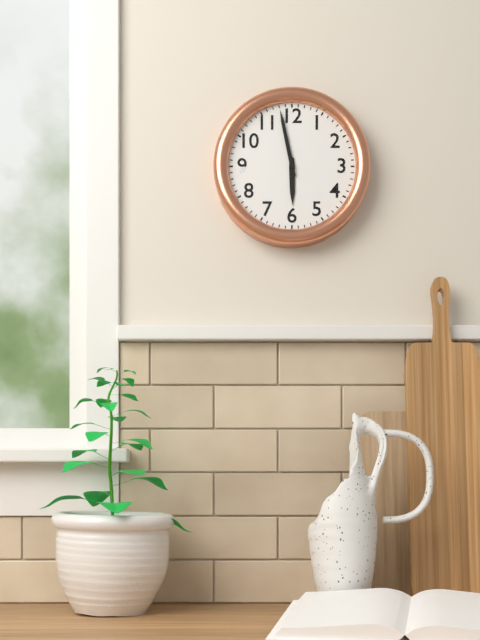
5:58
